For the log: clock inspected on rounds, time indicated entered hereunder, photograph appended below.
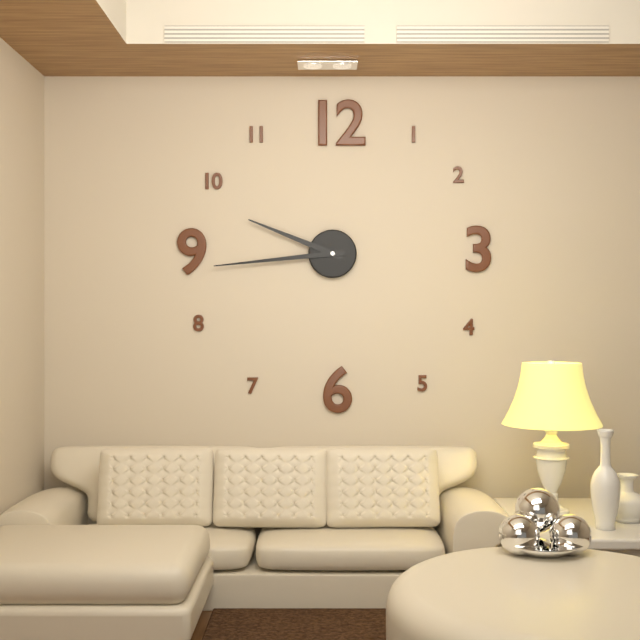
9:44
